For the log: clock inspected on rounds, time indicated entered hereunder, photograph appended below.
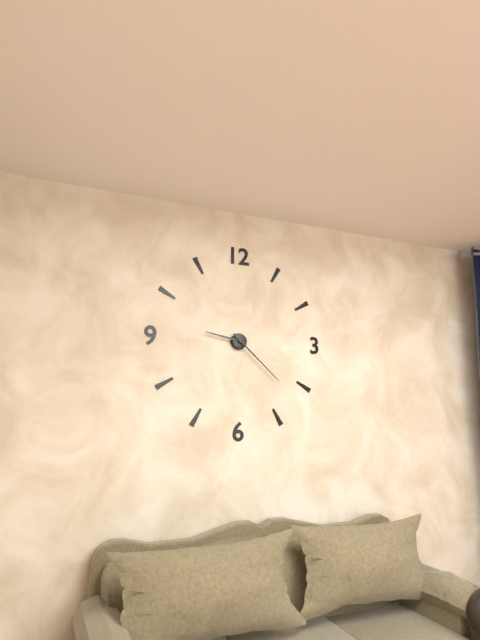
9:22
